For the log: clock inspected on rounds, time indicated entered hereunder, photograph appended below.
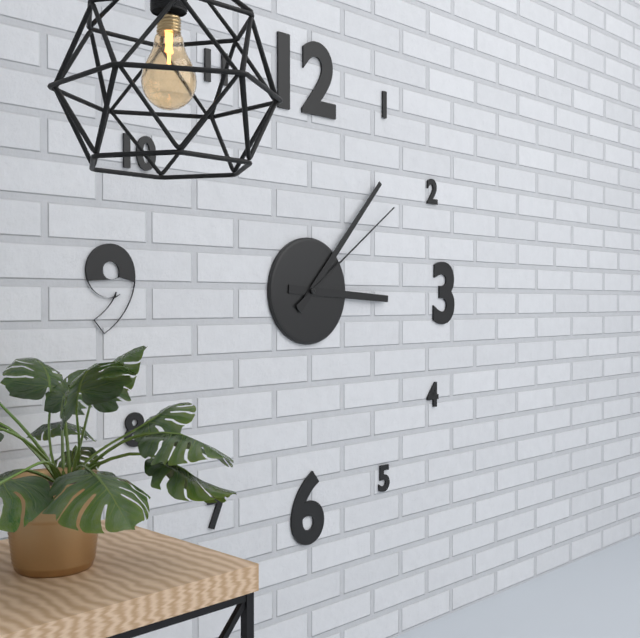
3:07:09
